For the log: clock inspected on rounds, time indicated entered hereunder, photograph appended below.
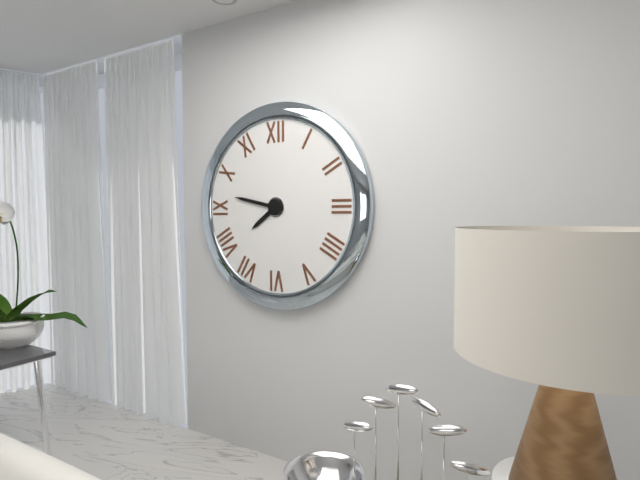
7:47
